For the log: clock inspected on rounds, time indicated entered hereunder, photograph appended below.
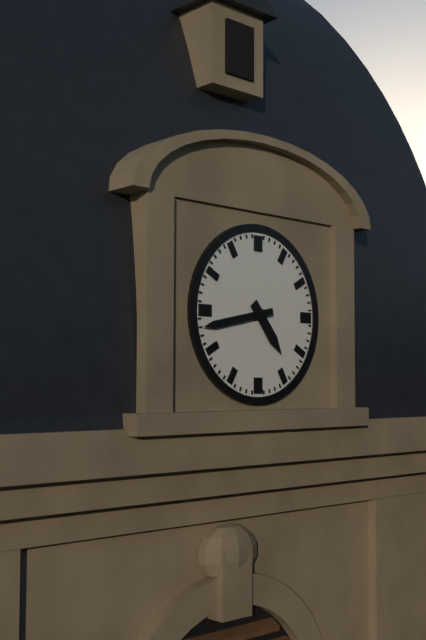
4:43
